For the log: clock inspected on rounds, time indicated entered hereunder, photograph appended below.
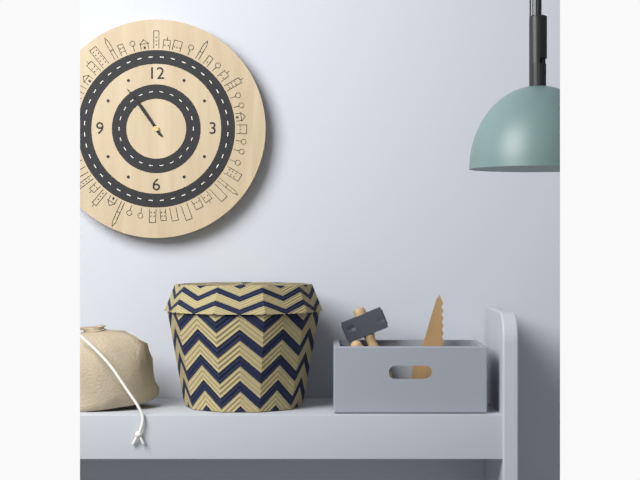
10:54
